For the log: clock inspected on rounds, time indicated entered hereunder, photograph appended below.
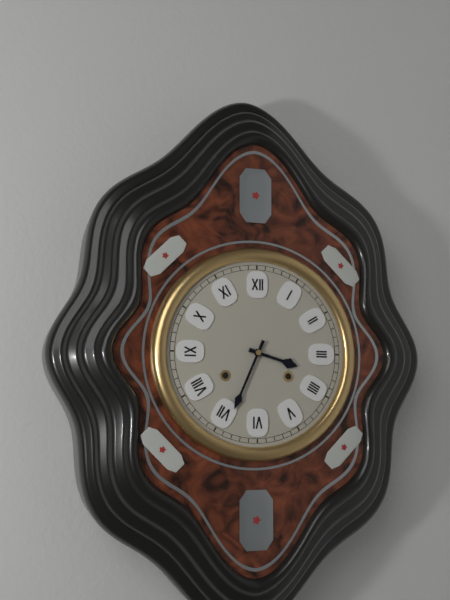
3:34
